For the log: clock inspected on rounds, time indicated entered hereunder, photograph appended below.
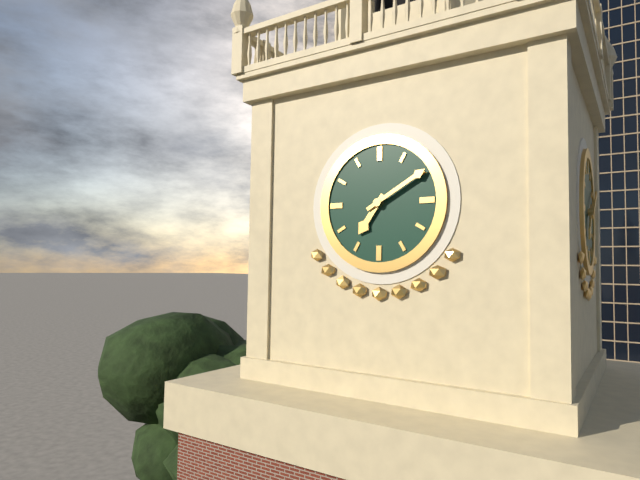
7:10
